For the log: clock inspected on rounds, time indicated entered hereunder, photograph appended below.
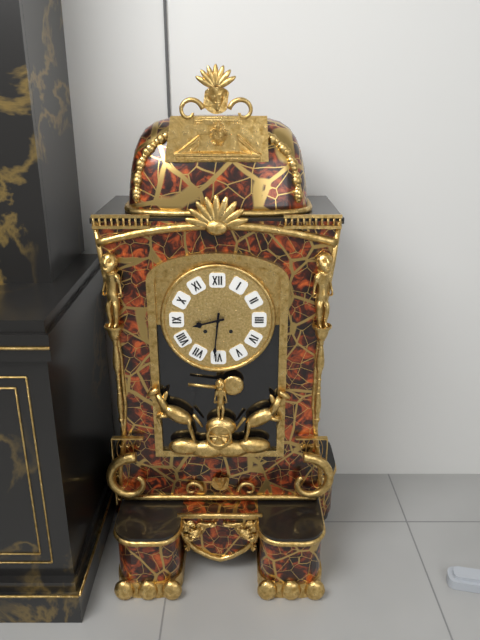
8:31
